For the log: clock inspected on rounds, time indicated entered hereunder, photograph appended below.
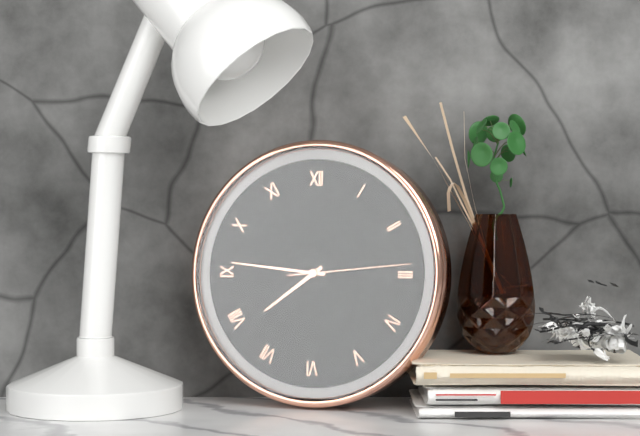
7:46:14
